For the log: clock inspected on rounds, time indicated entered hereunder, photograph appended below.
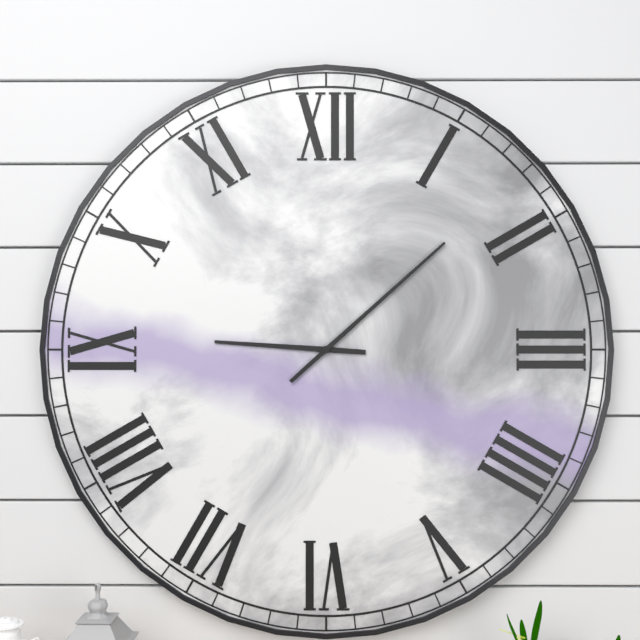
9:08
